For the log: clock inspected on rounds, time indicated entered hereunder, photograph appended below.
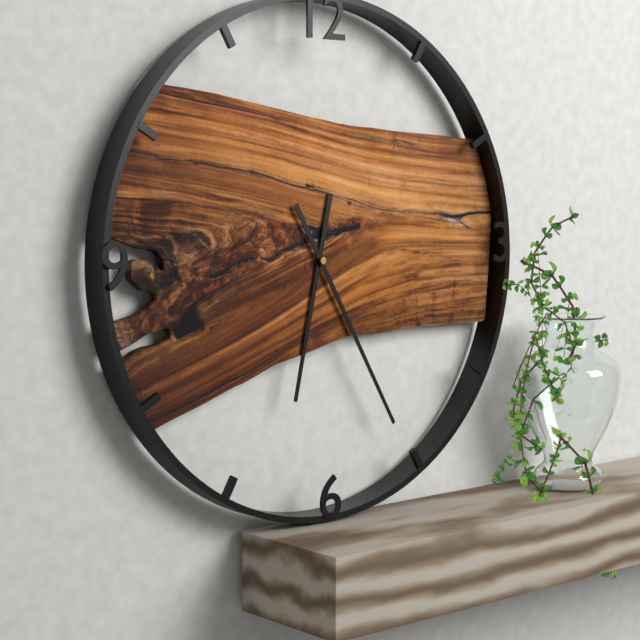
6:25
